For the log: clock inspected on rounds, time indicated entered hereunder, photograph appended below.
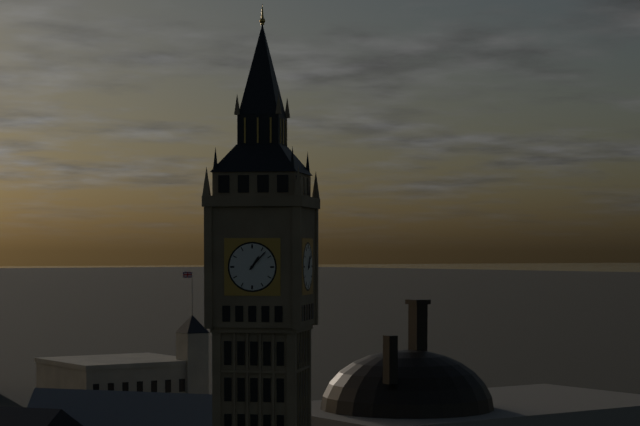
1:07
